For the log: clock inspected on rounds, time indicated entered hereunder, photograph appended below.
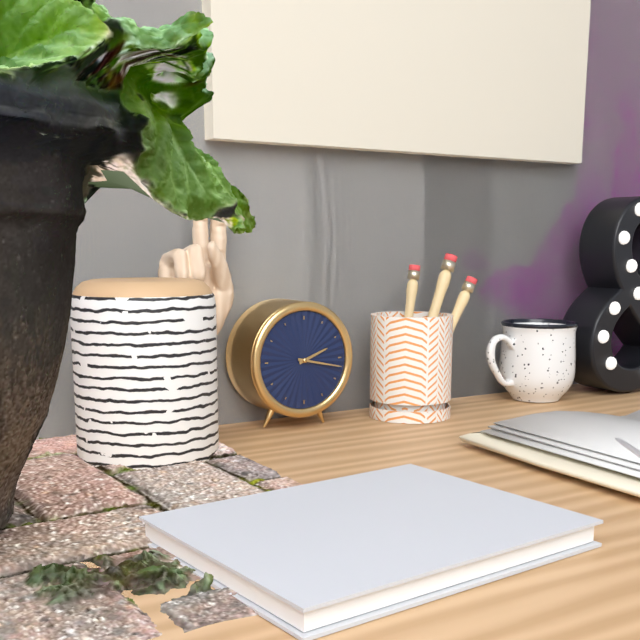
2:17
